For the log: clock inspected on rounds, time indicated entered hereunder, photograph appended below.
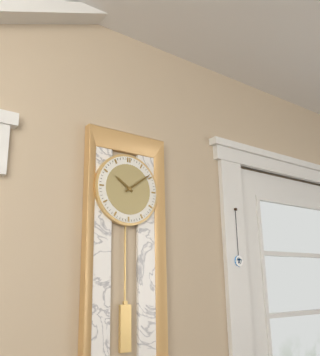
10:09
